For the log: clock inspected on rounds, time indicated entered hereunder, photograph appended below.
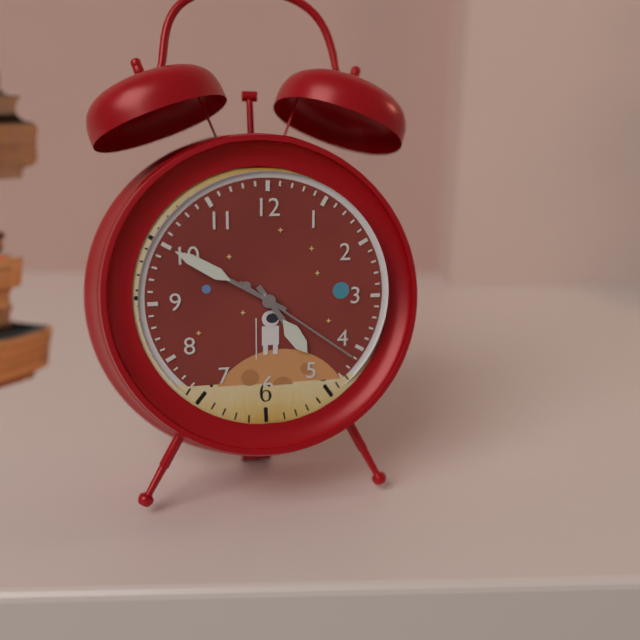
4:50:21
